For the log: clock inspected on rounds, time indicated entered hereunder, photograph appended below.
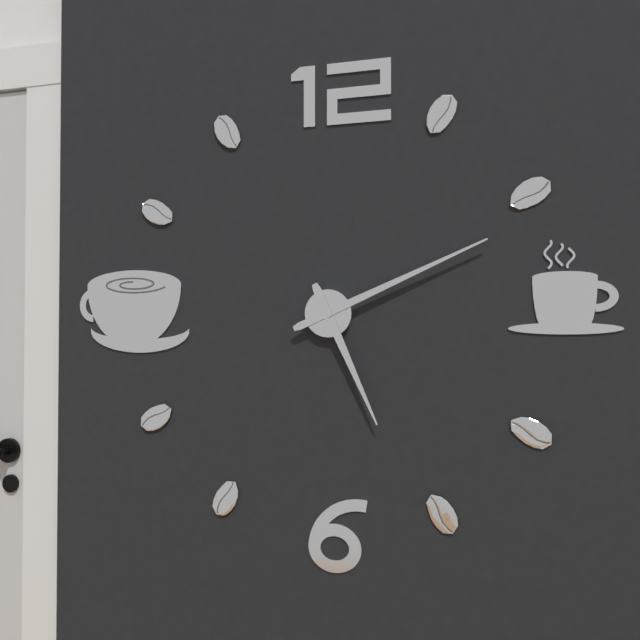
5:11
